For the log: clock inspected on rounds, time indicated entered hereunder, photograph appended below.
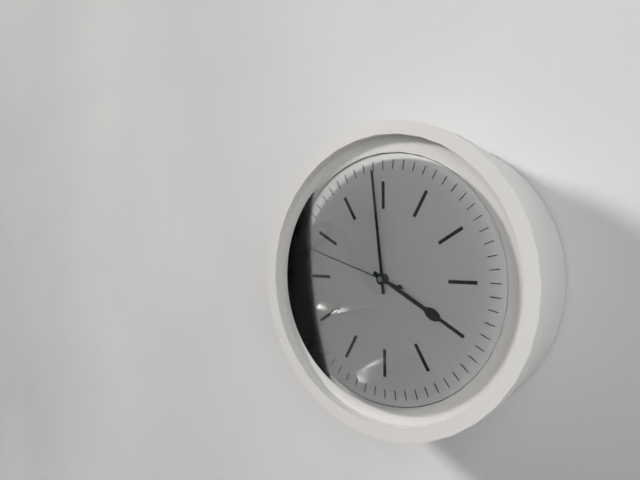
3:59:48
